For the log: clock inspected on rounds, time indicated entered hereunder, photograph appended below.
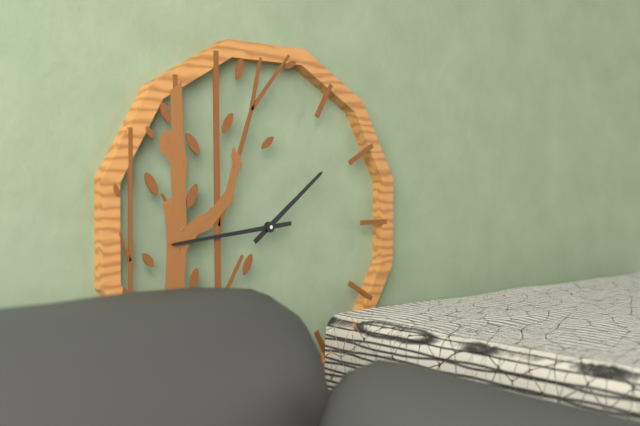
1:44
